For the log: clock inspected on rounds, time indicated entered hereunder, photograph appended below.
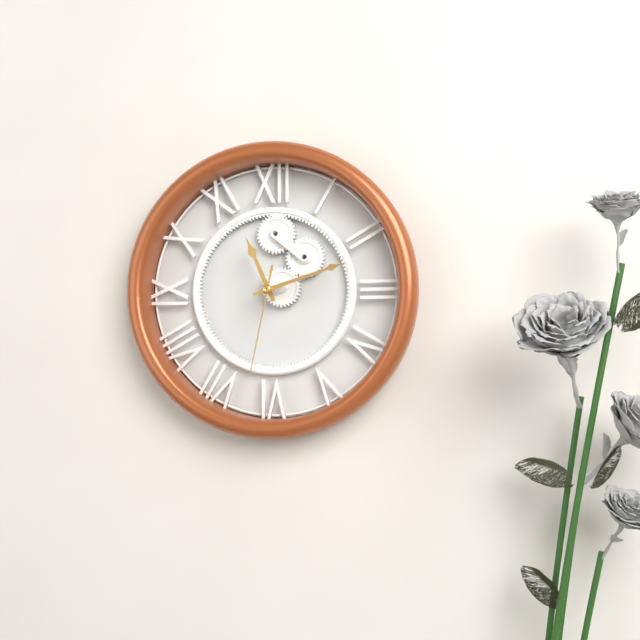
11:12:32
